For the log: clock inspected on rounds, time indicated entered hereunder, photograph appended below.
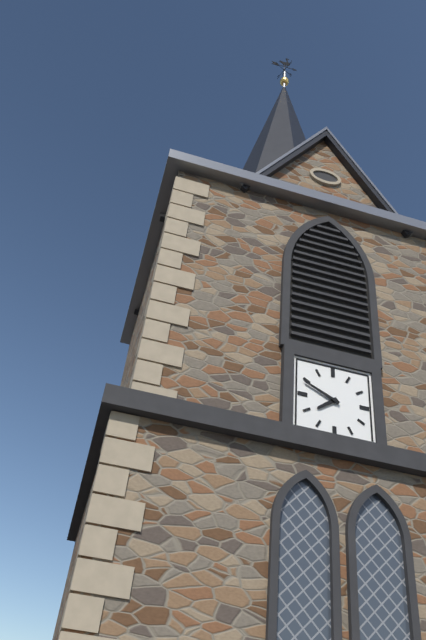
7:49
